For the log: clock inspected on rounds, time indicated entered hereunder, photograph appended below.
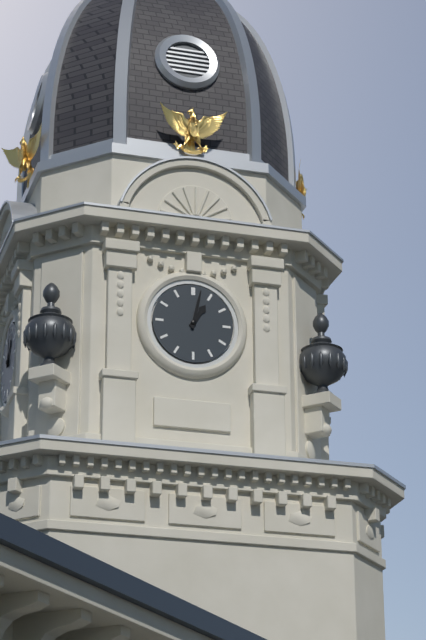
1:02
